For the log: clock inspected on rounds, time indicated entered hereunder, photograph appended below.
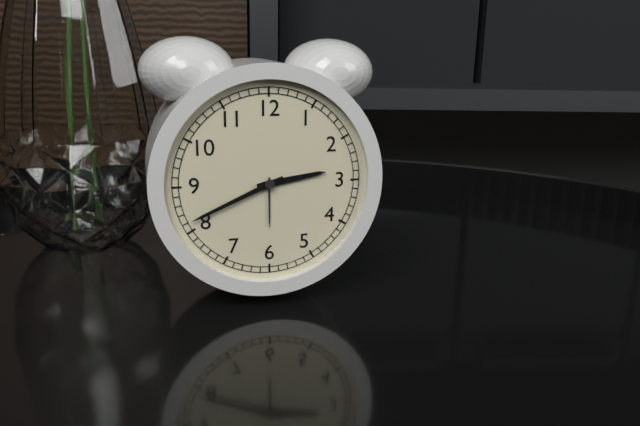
2:41
